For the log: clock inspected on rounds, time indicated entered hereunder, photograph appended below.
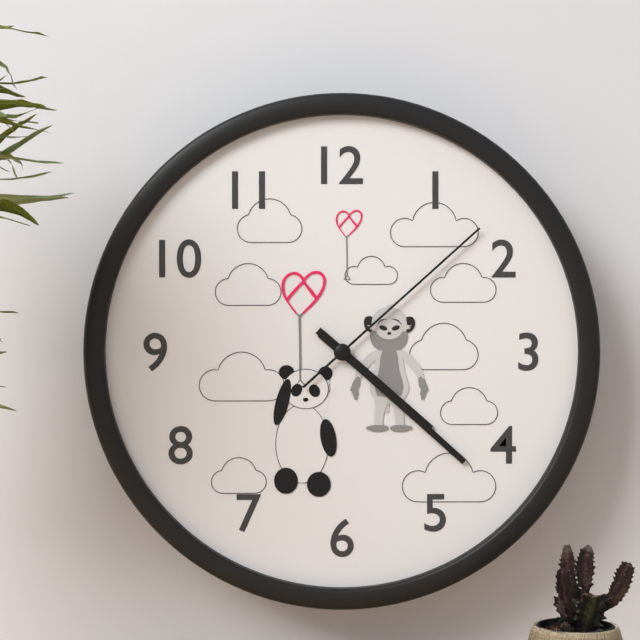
4:22:08
